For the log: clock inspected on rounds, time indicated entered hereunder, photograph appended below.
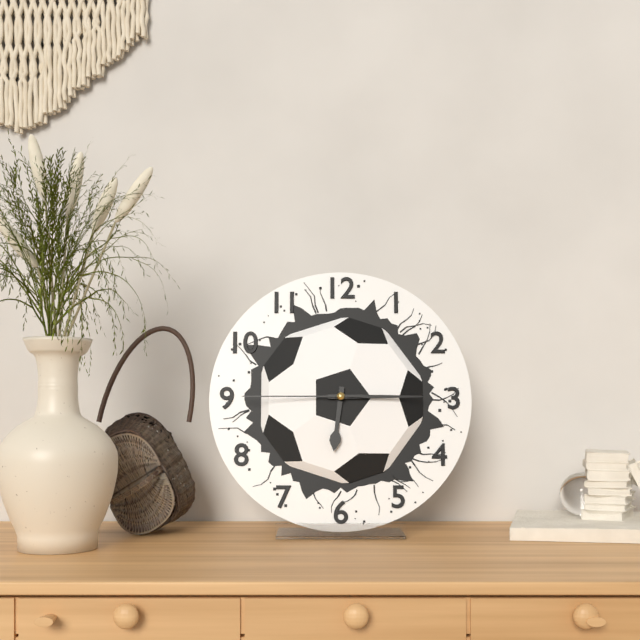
6:15:45
